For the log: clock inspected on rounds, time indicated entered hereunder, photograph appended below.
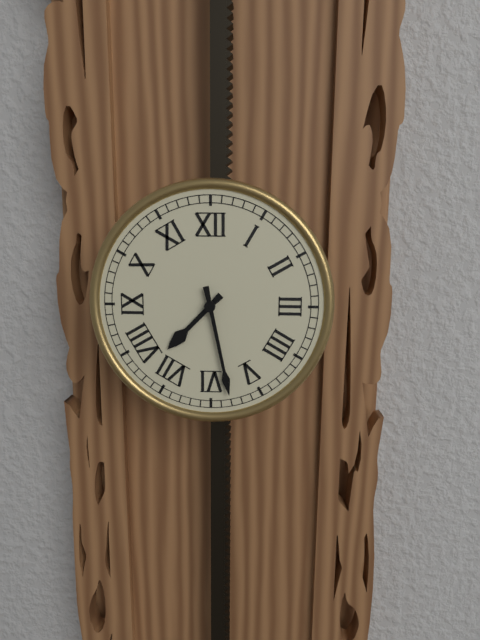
7:28
